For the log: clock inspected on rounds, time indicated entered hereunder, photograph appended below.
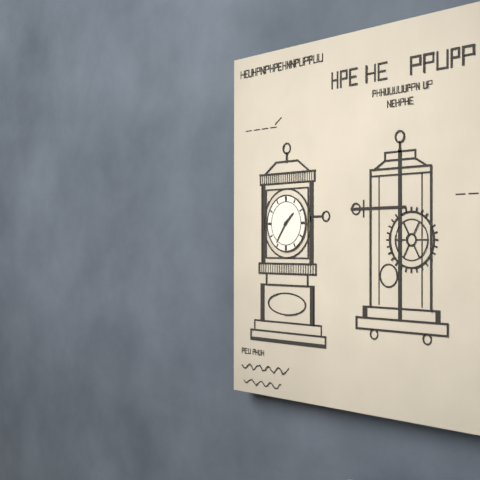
1:36
